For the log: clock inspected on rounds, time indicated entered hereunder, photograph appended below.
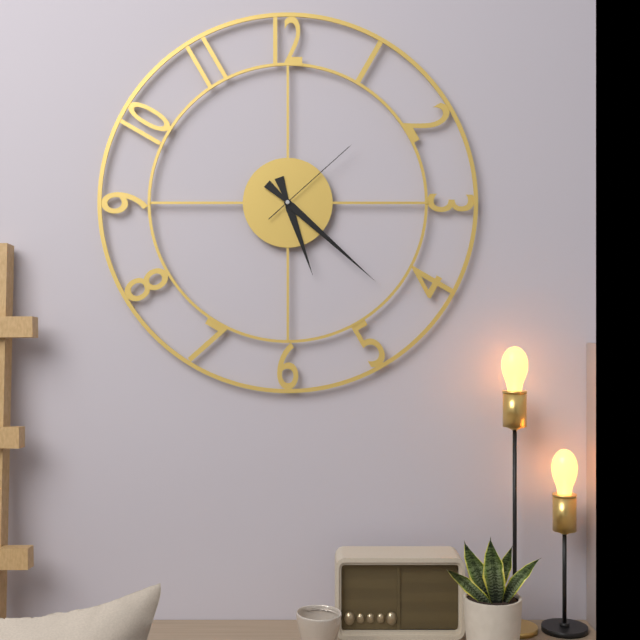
5:22:08
